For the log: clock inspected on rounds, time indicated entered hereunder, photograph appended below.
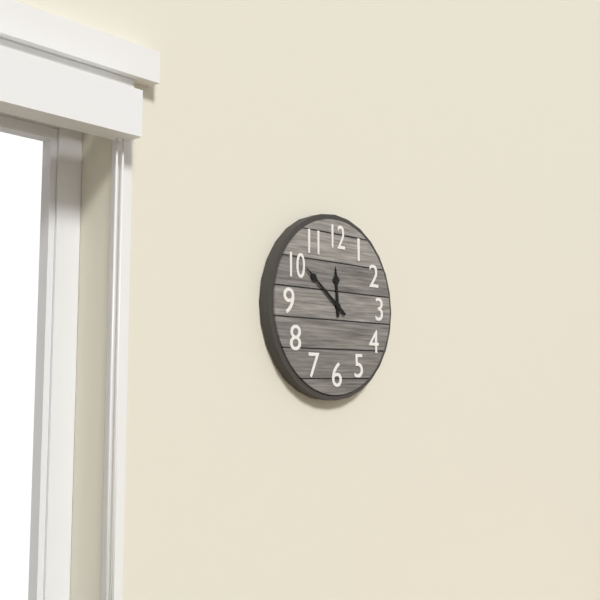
11:51
